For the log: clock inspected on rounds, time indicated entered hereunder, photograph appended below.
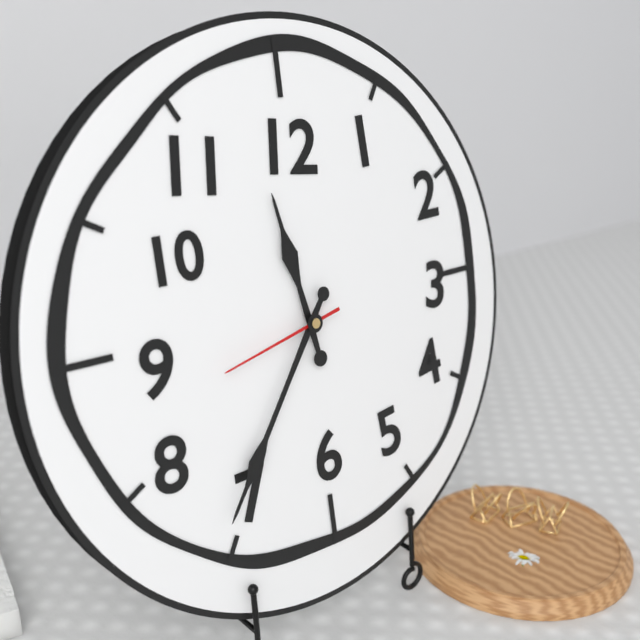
11:36:43
